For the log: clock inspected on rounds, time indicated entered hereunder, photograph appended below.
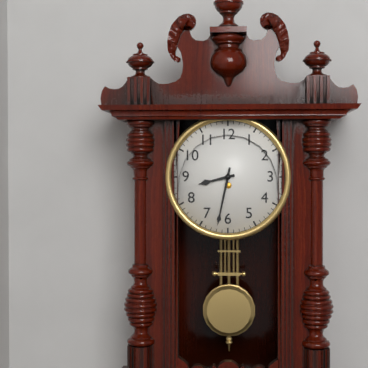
8:32
